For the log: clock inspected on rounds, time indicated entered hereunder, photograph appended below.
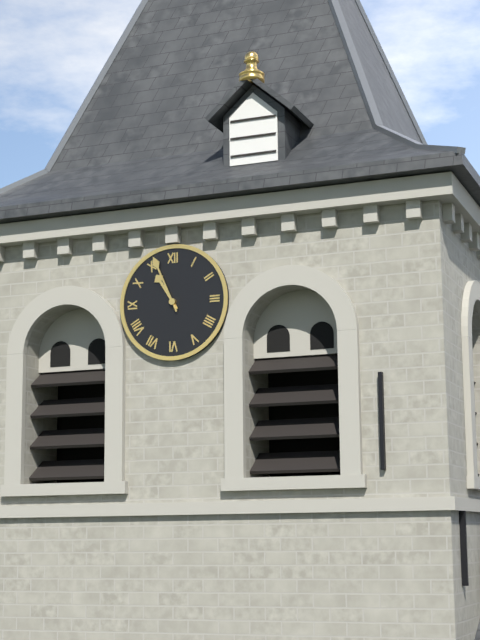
10:56
